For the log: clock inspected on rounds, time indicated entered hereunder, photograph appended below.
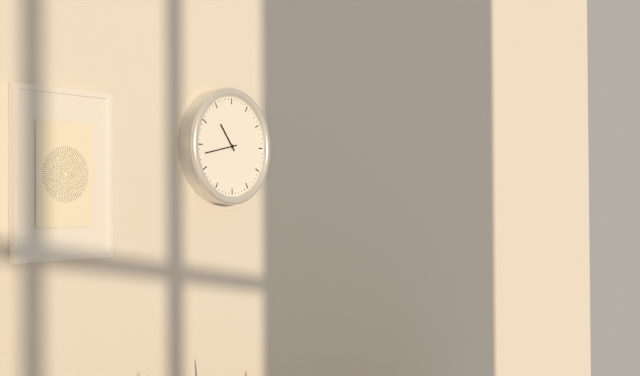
10:43
